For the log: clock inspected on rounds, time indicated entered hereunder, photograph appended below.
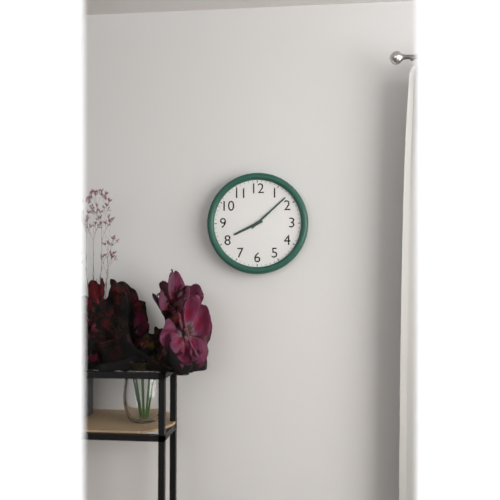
8:08
